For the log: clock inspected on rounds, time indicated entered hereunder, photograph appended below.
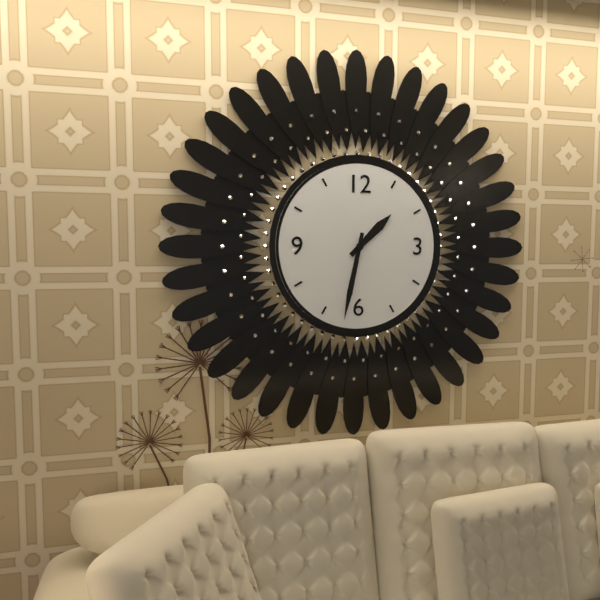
1:32
